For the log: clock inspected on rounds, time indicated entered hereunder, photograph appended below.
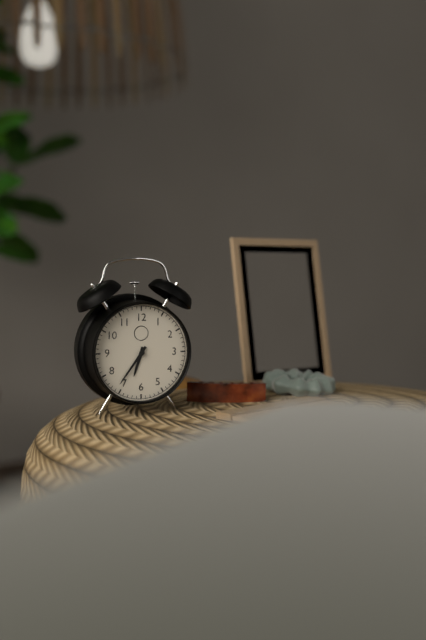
6:36
